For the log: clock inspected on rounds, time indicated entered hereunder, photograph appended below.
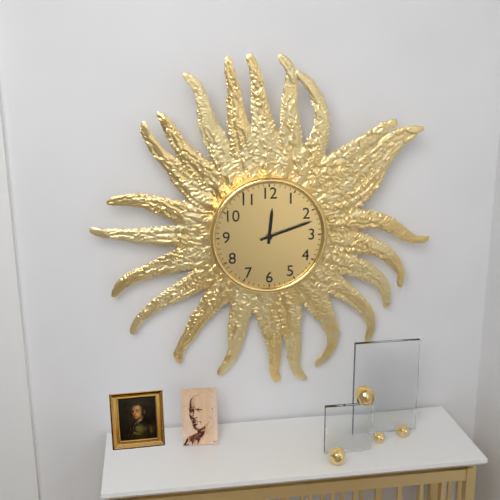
12:12
